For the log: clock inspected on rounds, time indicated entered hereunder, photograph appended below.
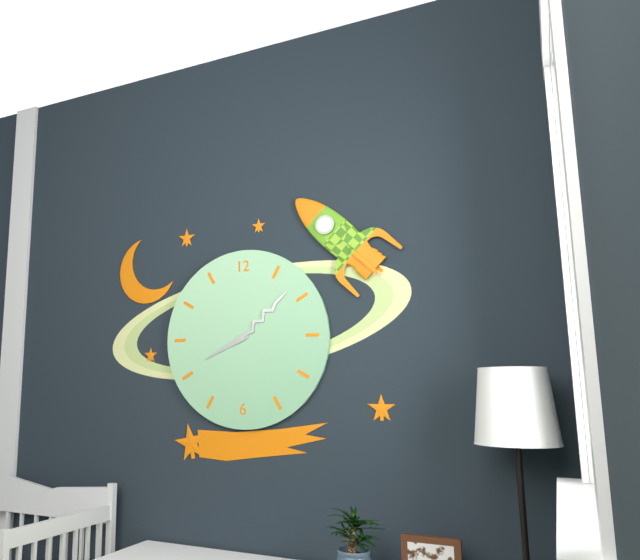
8:08
